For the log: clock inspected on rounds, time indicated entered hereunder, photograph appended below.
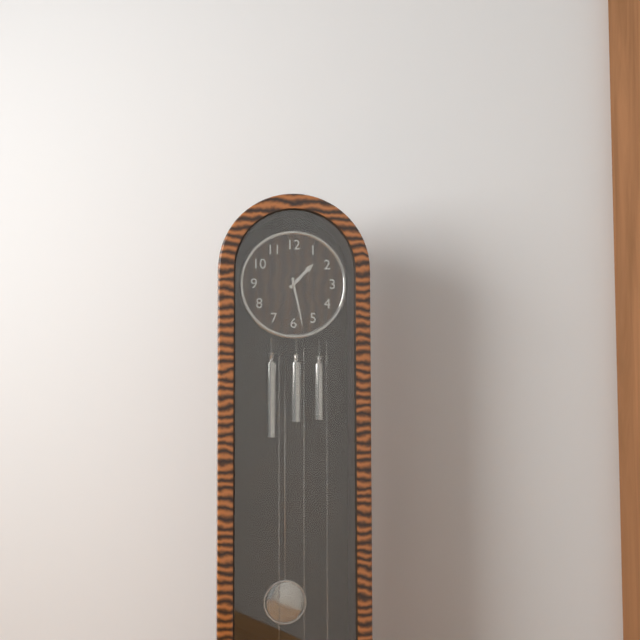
1:28
